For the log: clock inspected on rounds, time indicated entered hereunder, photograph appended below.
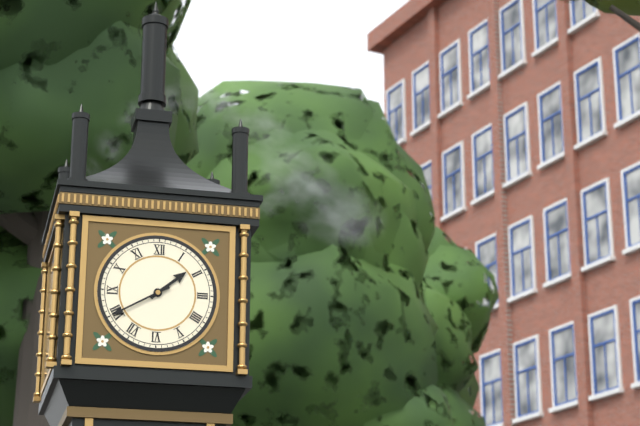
1:40
